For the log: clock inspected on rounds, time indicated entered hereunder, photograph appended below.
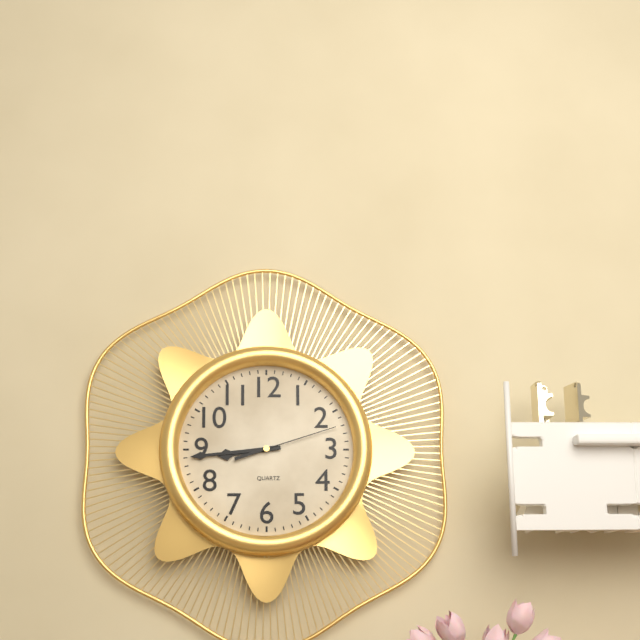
8:44:12
